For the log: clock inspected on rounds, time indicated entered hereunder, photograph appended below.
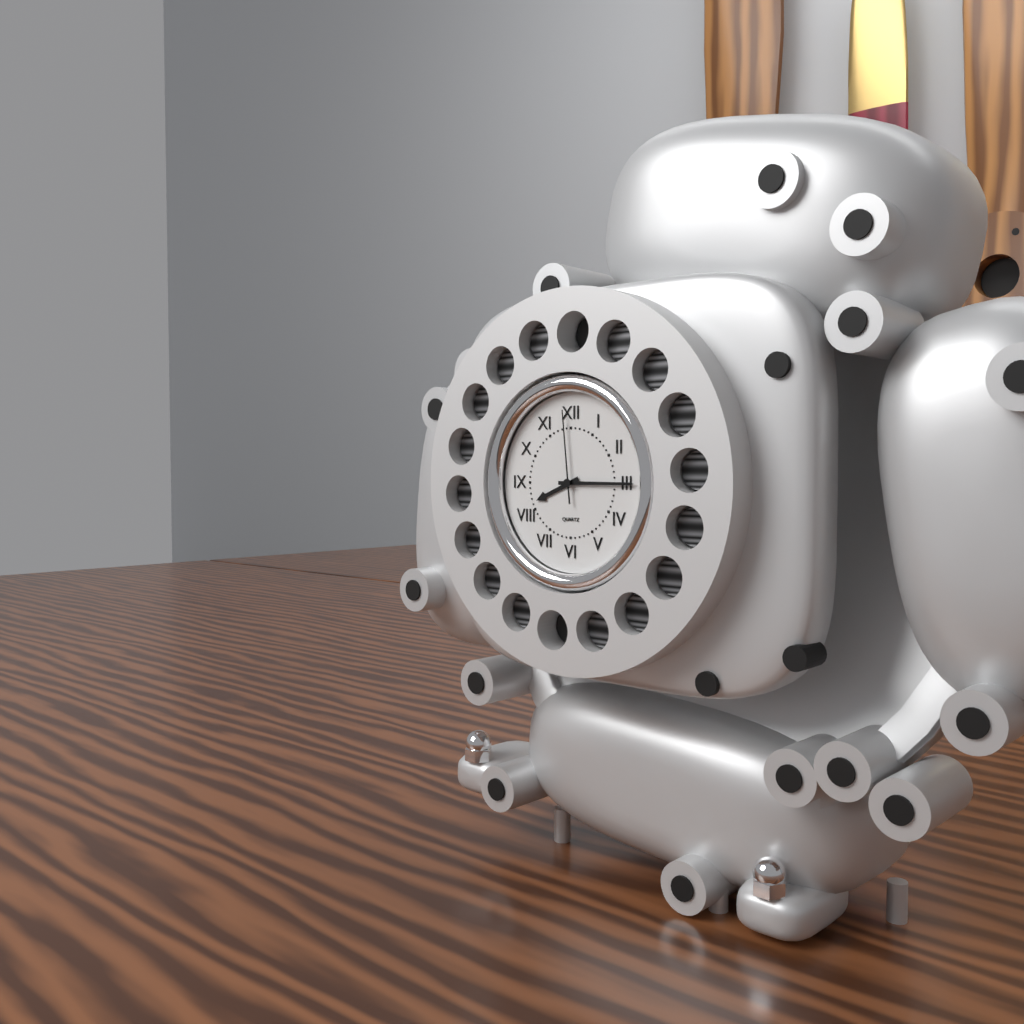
8:15:59
